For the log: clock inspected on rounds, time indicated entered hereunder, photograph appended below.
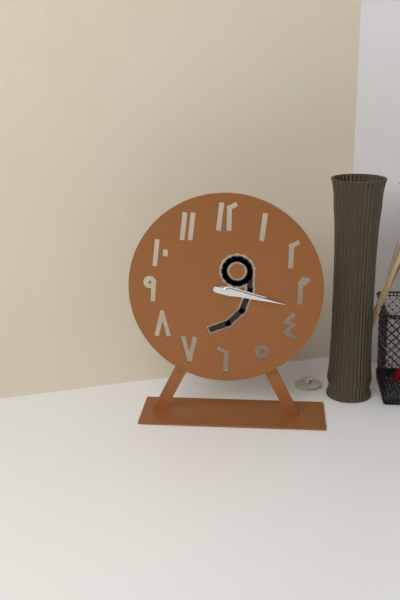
3:17
